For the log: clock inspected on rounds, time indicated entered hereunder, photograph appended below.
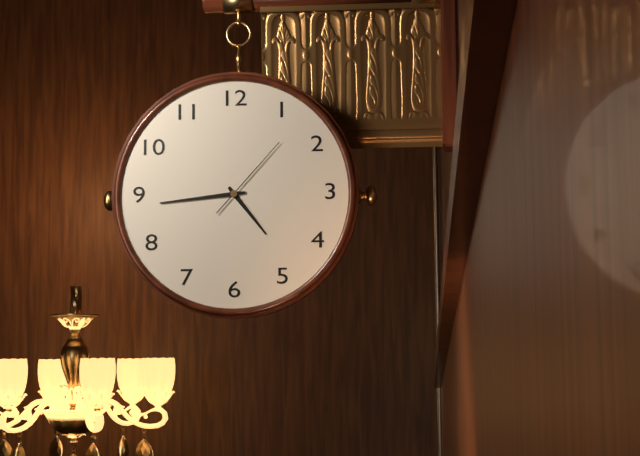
4:44:07
